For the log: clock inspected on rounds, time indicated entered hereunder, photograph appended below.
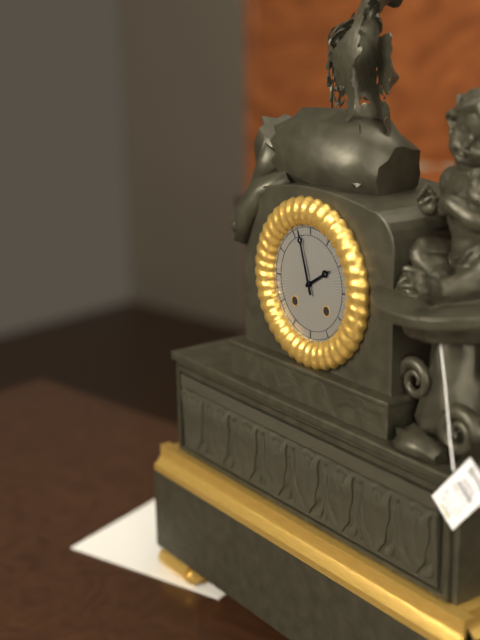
1:57
